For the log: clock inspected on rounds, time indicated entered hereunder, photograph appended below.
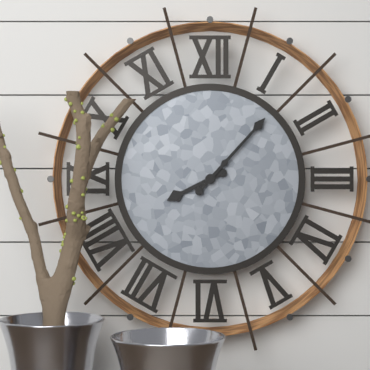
8:07
